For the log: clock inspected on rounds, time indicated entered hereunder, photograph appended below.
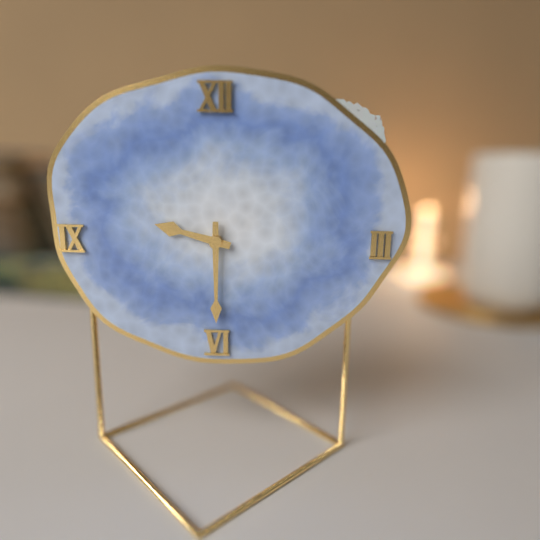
9:30
